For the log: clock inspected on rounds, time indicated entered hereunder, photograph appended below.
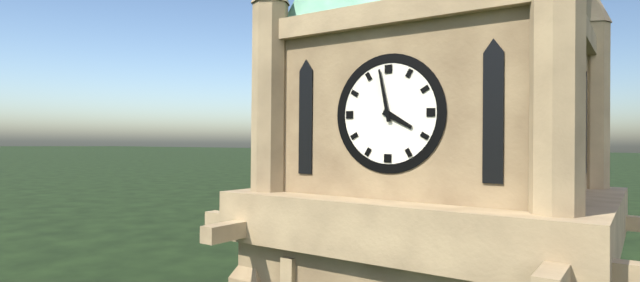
3:58
